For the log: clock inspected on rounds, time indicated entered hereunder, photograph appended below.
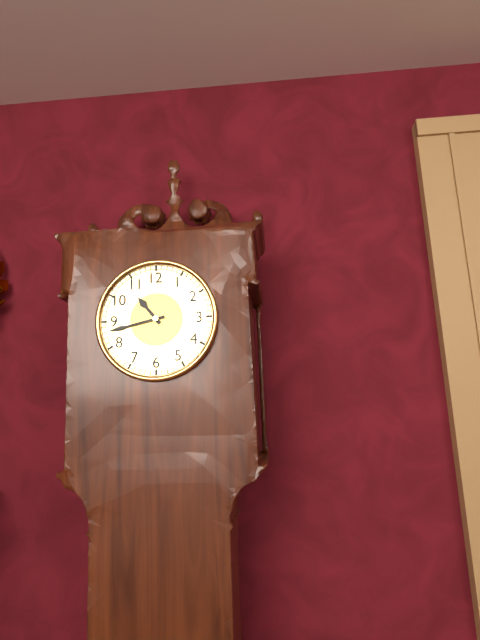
10:43
